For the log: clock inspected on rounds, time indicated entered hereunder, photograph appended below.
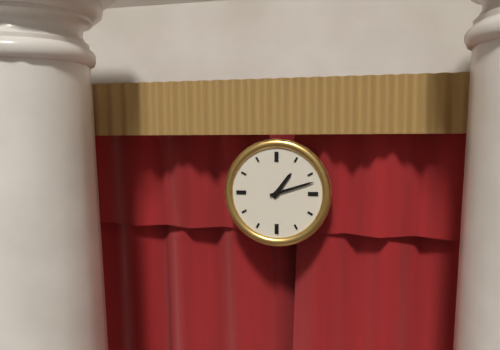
1:12
